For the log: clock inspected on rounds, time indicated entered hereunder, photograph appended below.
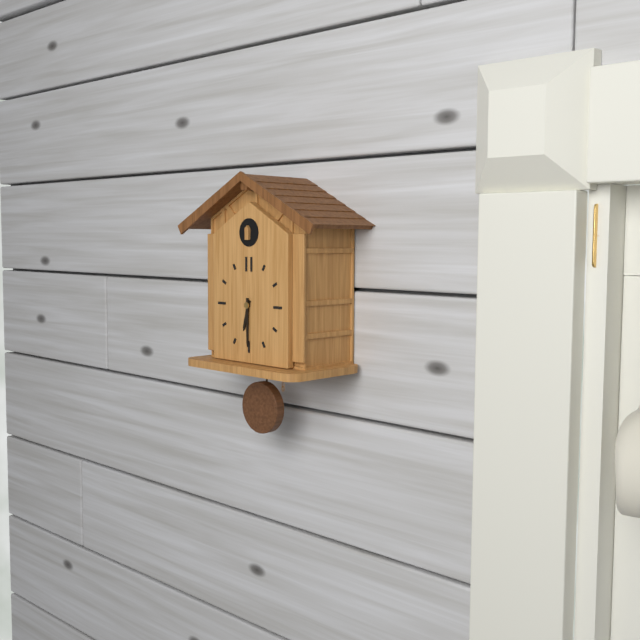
6:30
